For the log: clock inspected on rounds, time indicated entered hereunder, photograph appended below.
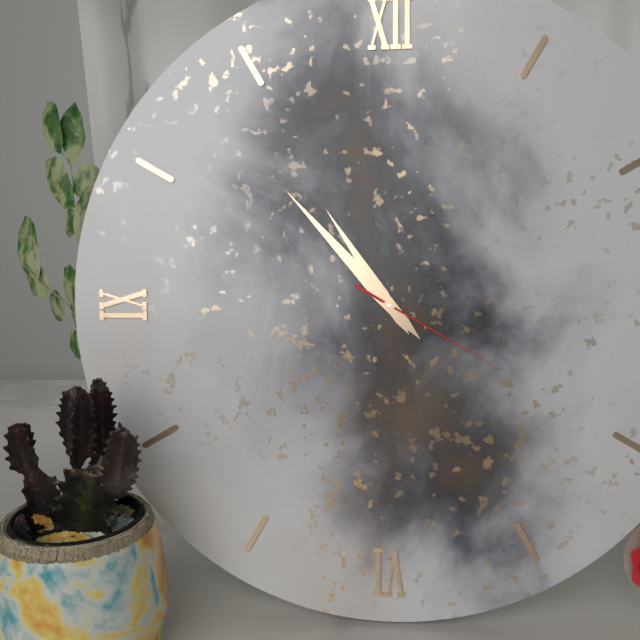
10:53:20
